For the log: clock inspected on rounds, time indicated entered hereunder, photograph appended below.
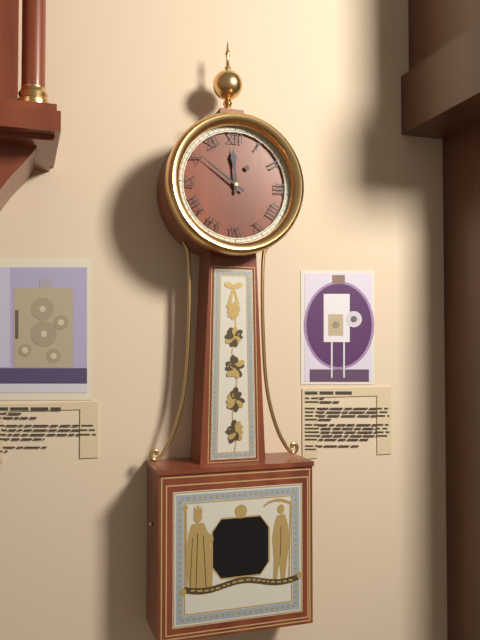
11:51
